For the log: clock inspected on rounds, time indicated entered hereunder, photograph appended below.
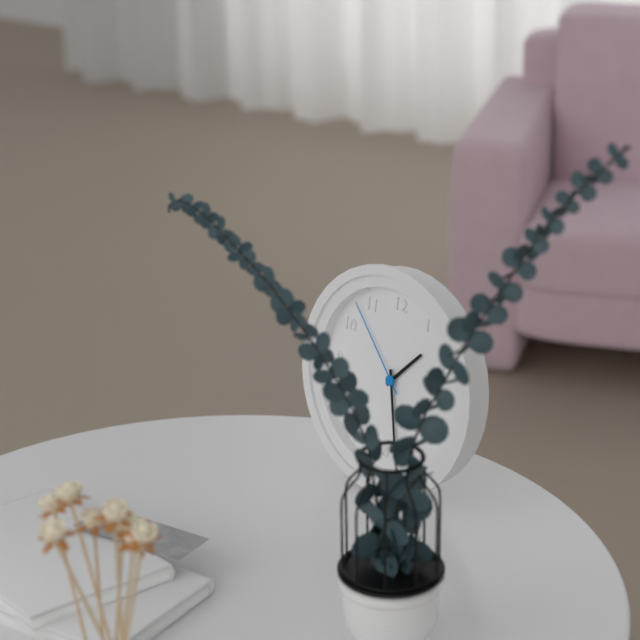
1:28:53
